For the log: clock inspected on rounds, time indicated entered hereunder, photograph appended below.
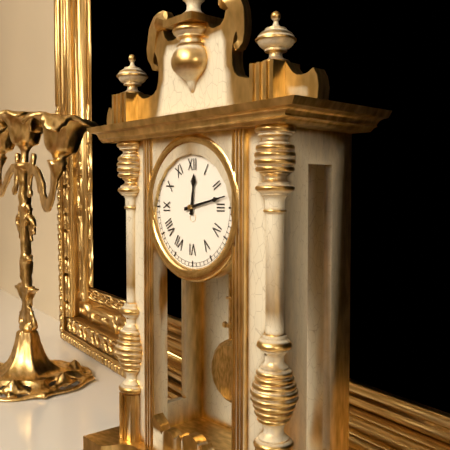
12:13
